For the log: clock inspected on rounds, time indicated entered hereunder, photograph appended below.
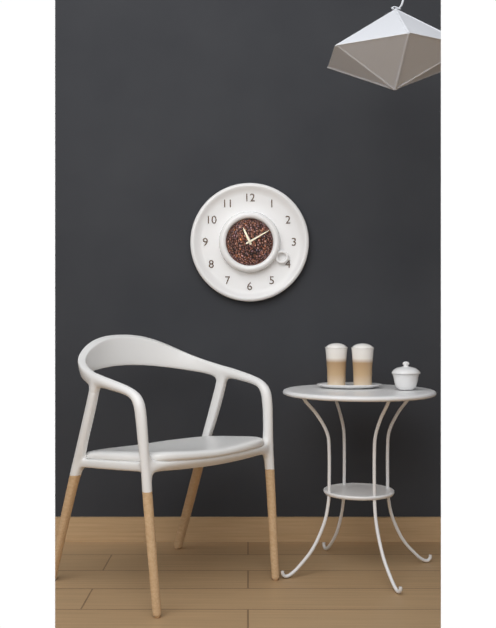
11:10
